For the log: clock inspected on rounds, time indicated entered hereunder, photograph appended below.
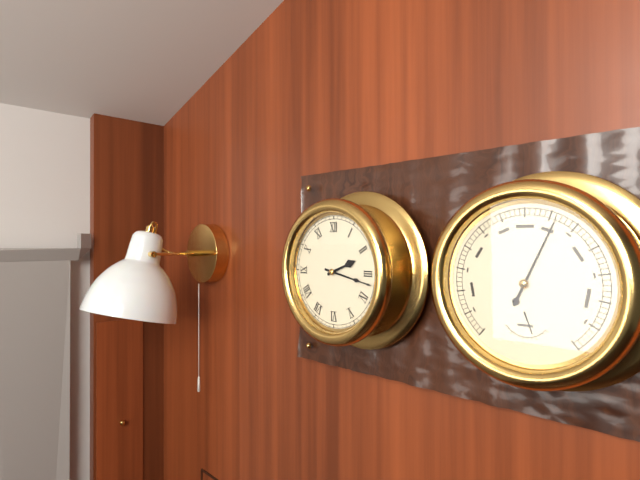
2:17
